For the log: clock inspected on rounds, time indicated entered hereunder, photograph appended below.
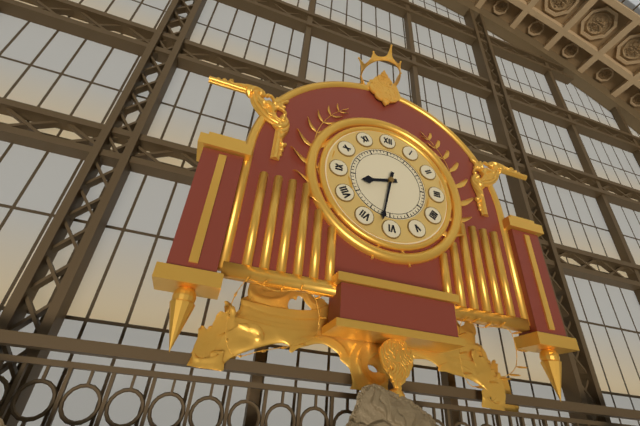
8:32
